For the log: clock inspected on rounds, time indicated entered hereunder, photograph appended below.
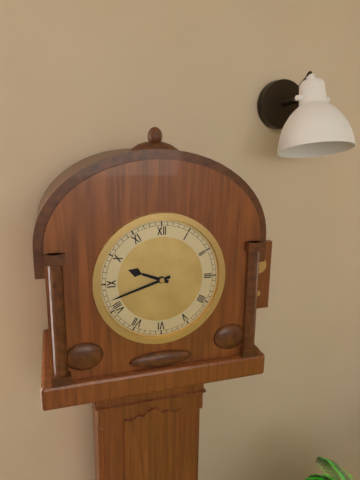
9:42
